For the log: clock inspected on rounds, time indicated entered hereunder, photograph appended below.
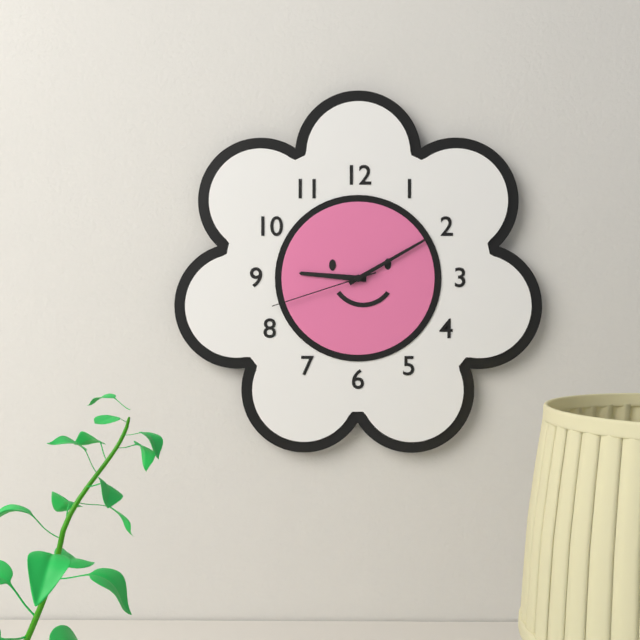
9:10:42
